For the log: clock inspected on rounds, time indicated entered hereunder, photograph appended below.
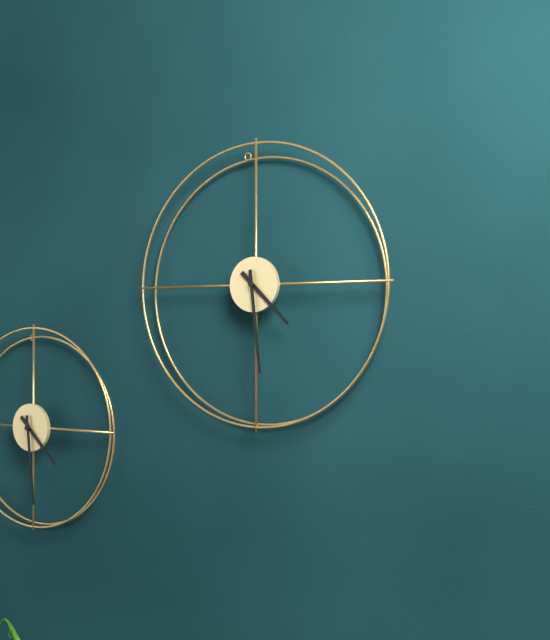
4:29
